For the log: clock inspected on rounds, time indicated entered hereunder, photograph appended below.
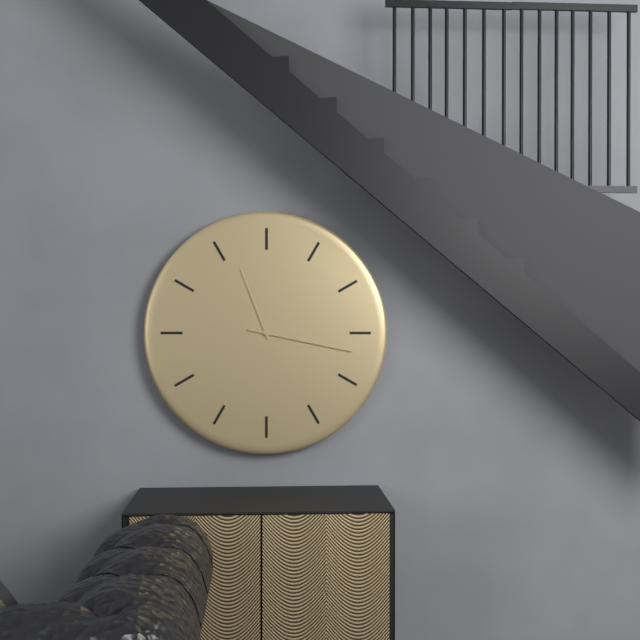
11:17
